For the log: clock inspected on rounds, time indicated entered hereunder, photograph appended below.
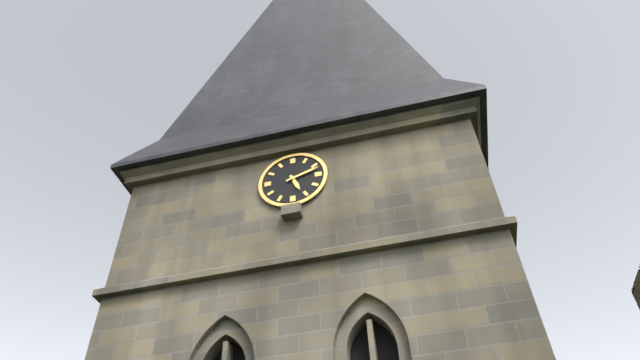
5:12
